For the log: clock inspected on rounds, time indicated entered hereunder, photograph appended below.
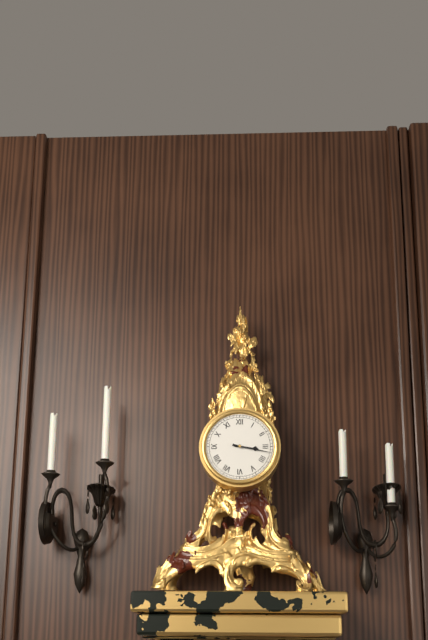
3:17
